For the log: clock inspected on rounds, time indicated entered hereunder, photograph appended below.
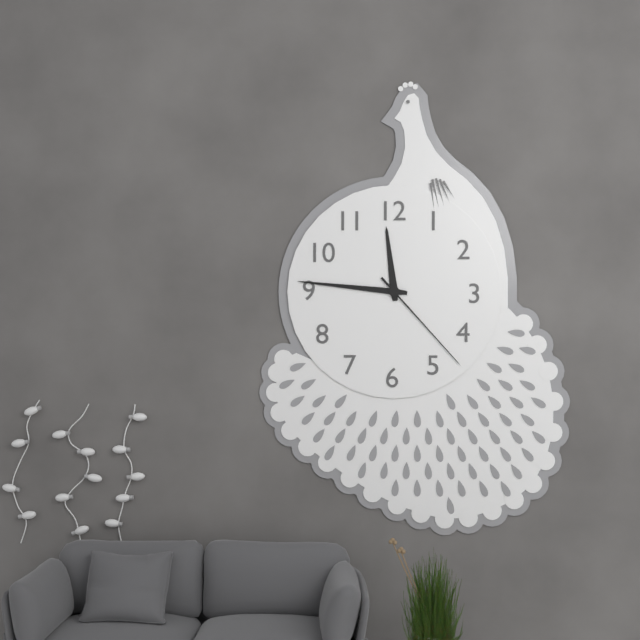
11:46:23
